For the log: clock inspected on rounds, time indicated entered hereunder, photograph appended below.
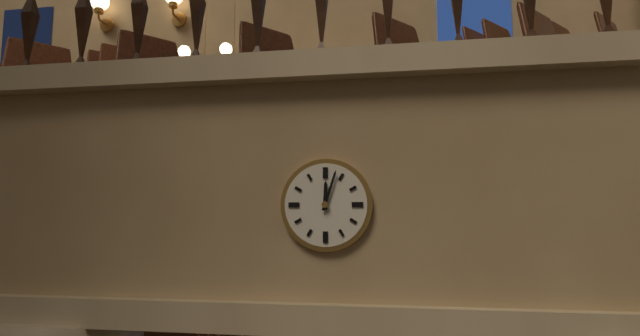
12:03
